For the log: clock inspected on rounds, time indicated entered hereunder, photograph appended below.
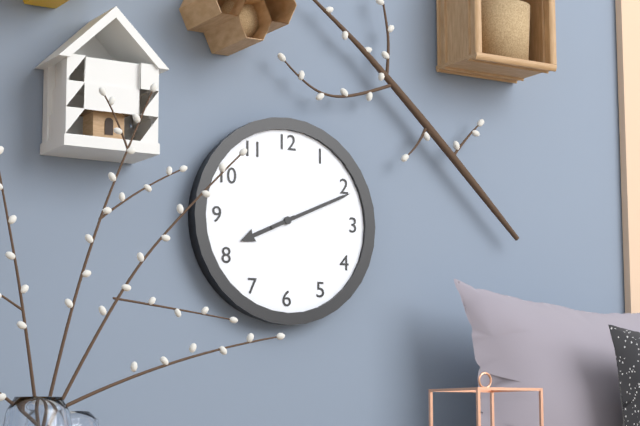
8:11
